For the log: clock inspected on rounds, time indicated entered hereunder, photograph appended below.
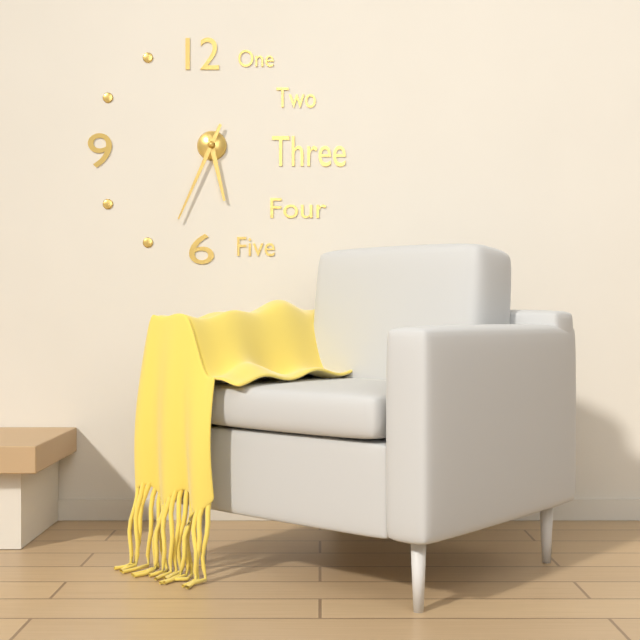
5:34
